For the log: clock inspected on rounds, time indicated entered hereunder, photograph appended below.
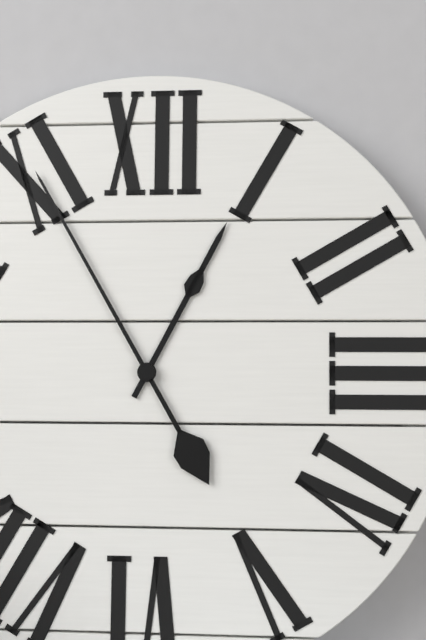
12:55
